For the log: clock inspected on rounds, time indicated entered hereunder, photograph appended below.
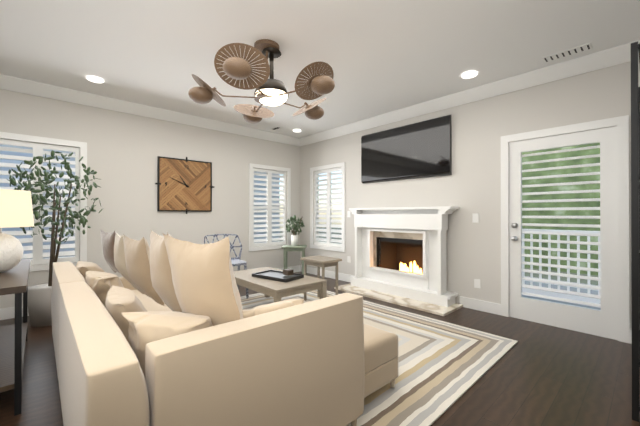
10:49
